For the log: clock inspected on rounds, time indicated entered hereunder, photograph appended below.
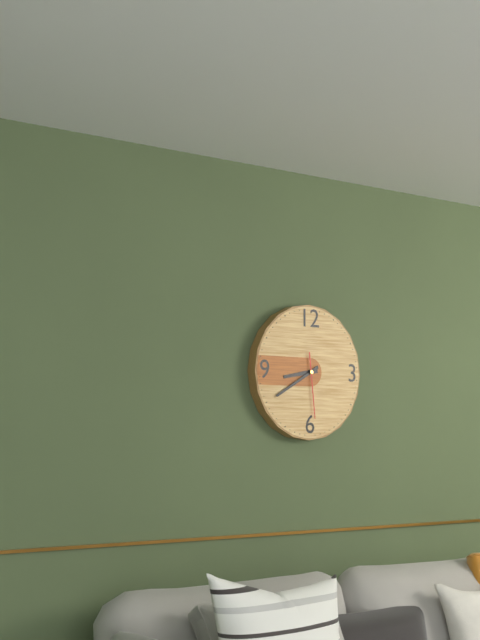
8:40:29
